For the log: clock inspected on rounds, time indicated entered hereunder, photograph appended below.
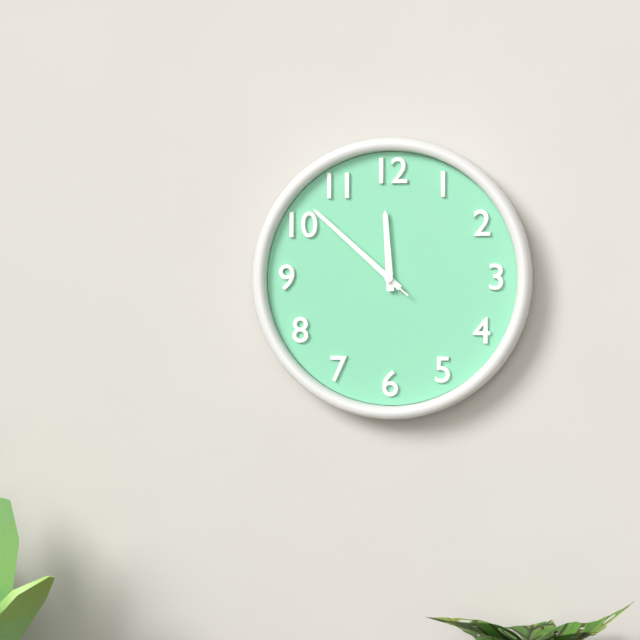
11:52:52
